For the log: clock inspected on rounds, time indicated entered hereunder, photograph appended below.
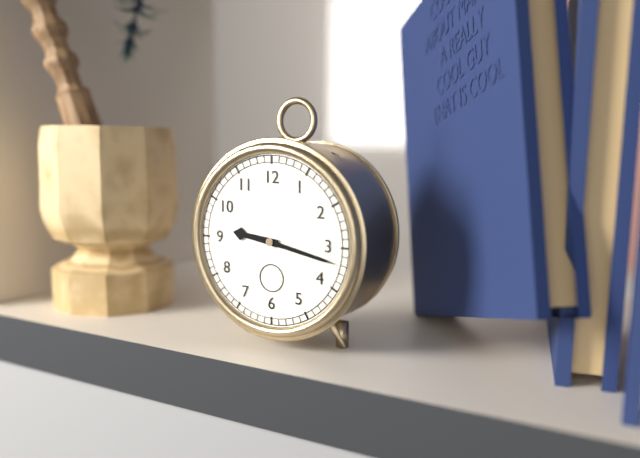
9:17
